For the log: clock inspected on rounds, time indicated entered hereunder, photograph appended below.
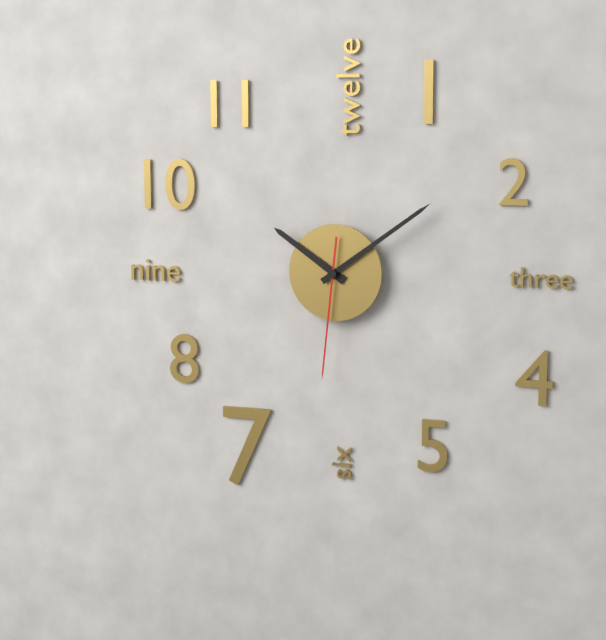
10:09:31
